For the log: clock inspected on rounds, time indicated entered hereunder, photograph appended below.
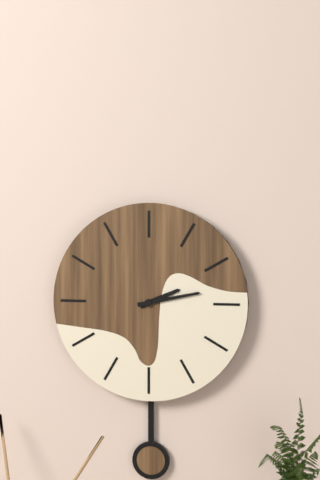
2:13
